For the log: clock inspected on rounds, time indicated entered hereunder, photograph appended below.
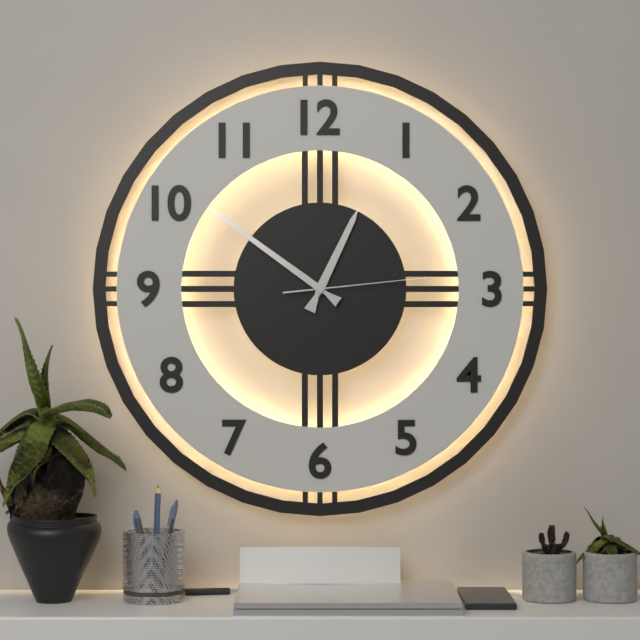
12:51:14
